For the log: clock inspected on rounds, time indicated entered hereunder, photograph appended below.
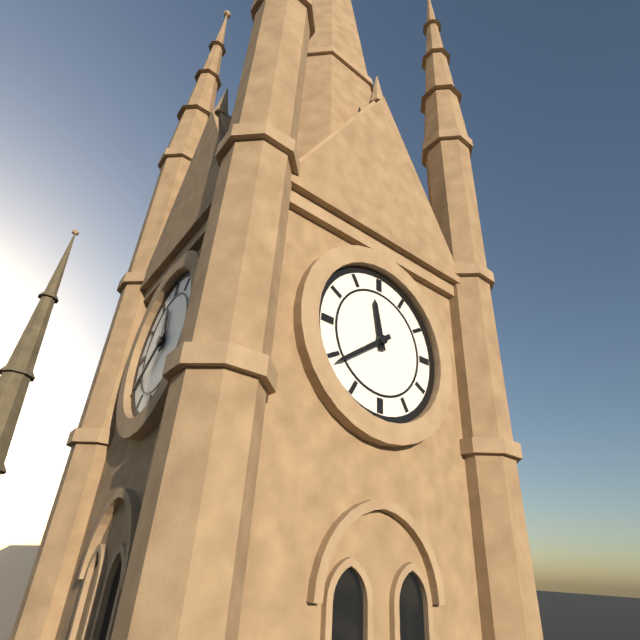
11:39
